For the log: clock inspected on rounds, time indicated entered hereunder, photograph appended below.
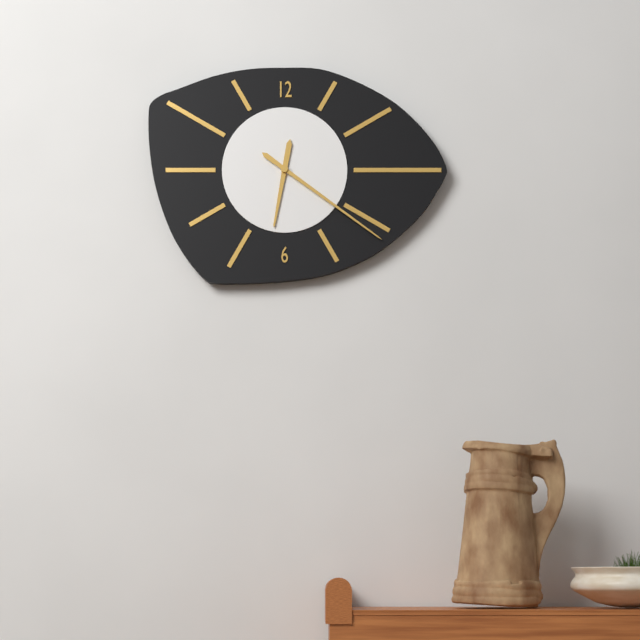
6:21
